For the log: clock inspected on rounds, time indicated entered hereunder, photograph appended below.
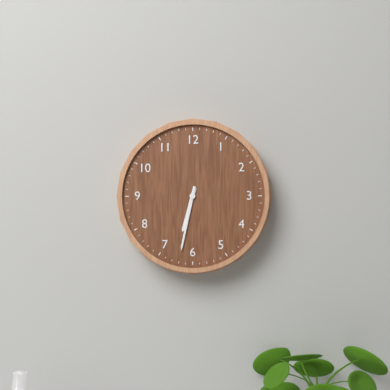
6:32
